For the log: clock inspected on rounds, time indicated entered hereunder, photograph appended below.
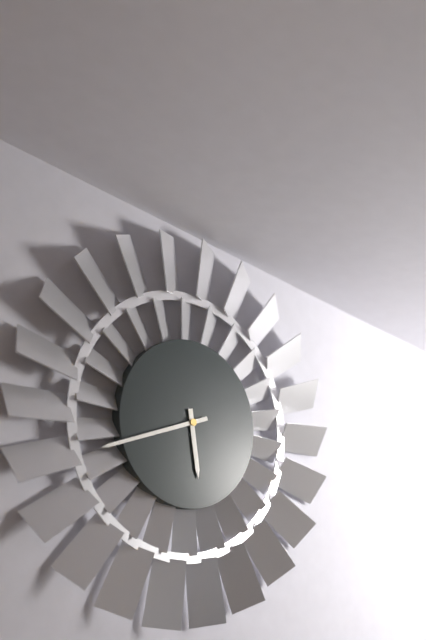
5:42
